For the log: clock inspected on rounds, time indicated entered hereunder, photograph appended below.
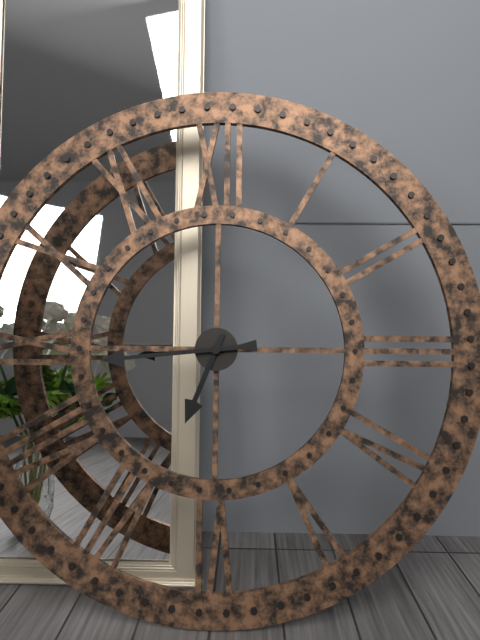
6:44
